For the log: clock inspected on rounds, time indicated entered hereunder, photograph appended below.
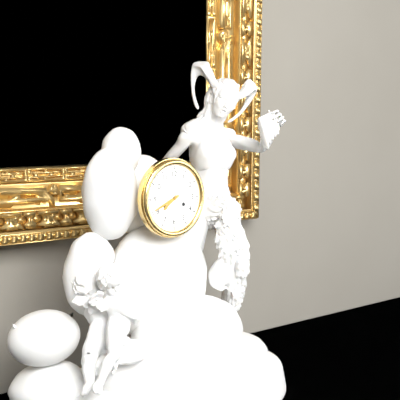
7:41
